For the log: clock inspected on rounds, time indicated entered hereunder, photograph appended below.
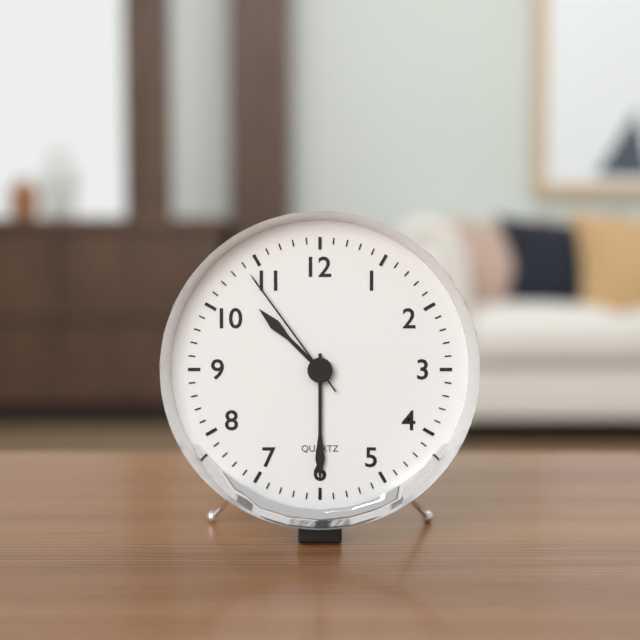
10:30:54
